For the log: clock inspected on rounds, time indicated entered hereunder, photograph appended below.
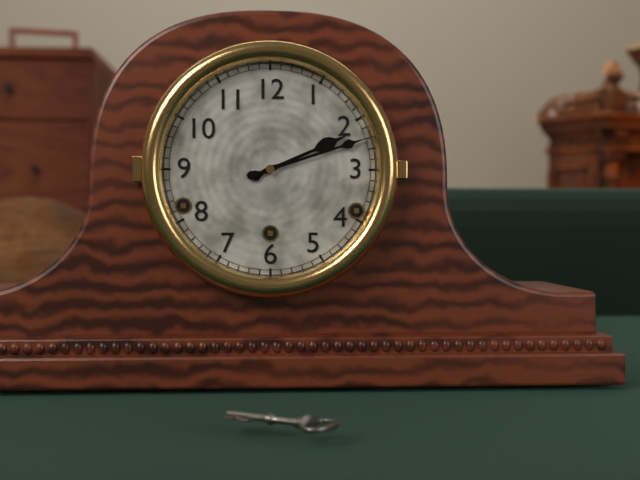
2:12
